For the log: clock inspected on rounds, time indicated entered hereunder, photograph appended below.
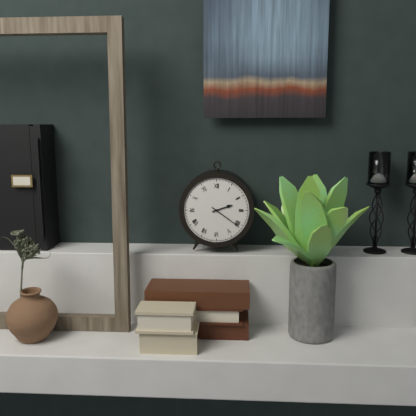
2:21
